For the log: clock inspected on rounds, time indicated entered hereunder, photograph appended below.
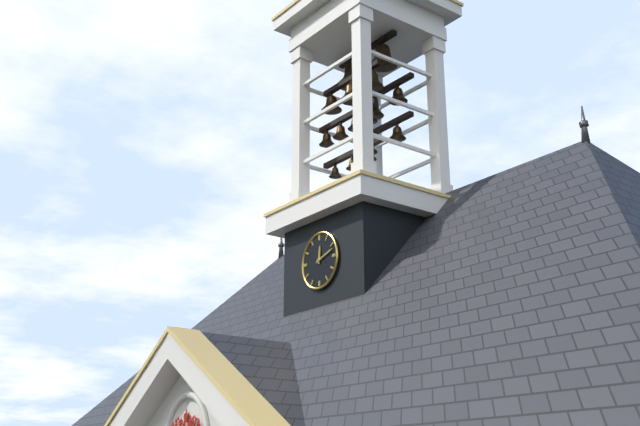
12:12
